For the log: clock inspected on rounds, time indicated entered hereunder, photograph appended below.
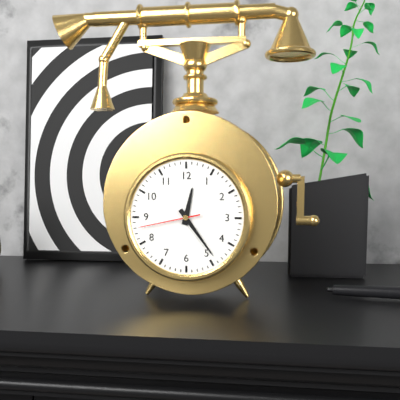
12:24:43
